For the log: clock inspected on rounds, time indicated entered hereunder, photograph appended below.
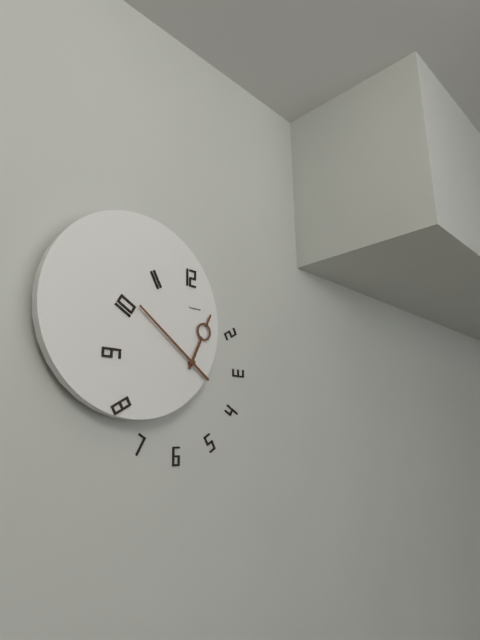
12:51
